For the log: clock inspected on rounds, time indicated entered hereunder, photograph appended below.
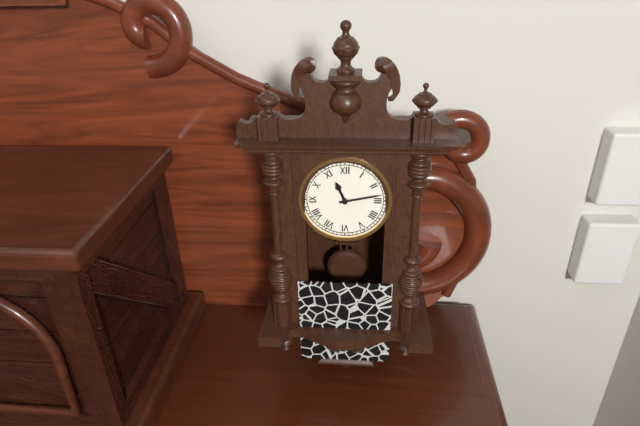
11:13
